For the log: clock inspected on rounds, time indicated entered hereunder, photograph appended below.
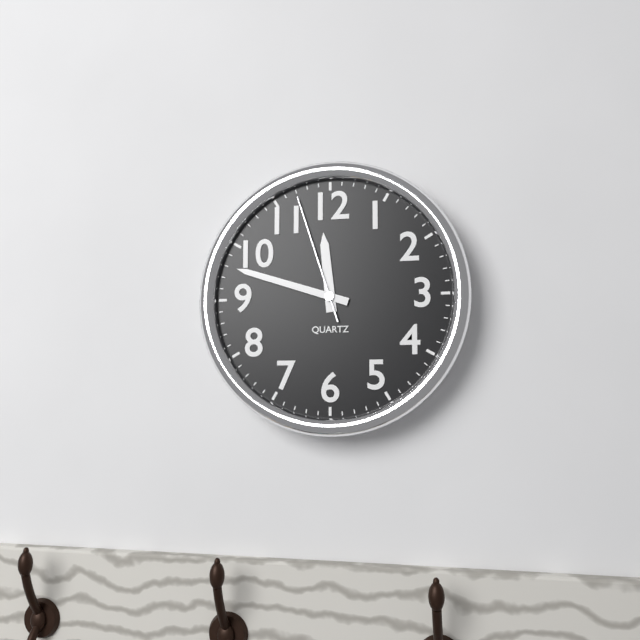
11:48:57
